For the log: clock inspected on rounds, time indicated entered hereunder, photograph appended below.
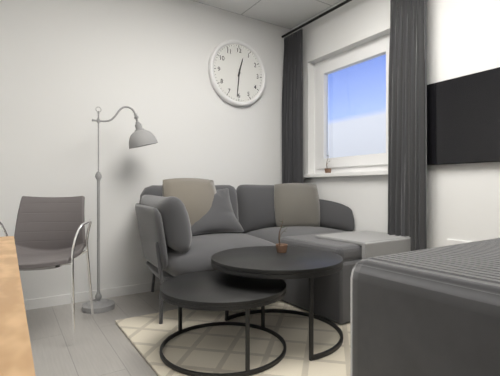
12:31
